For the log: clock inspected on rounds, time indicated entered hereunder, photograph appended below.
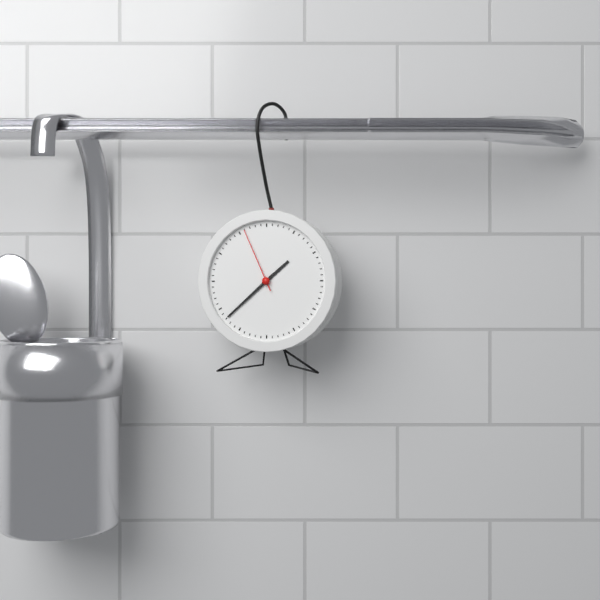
1:38:56
